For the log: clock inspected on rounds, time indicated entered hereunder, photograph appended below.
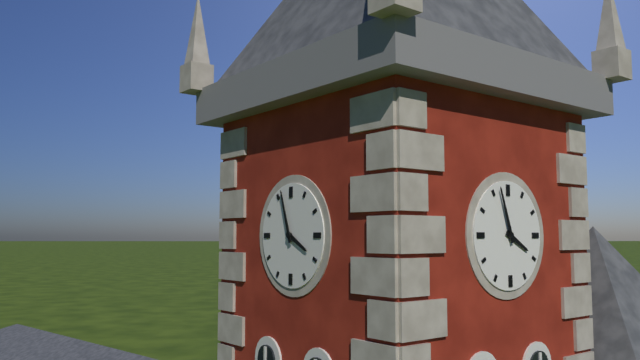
3:57
